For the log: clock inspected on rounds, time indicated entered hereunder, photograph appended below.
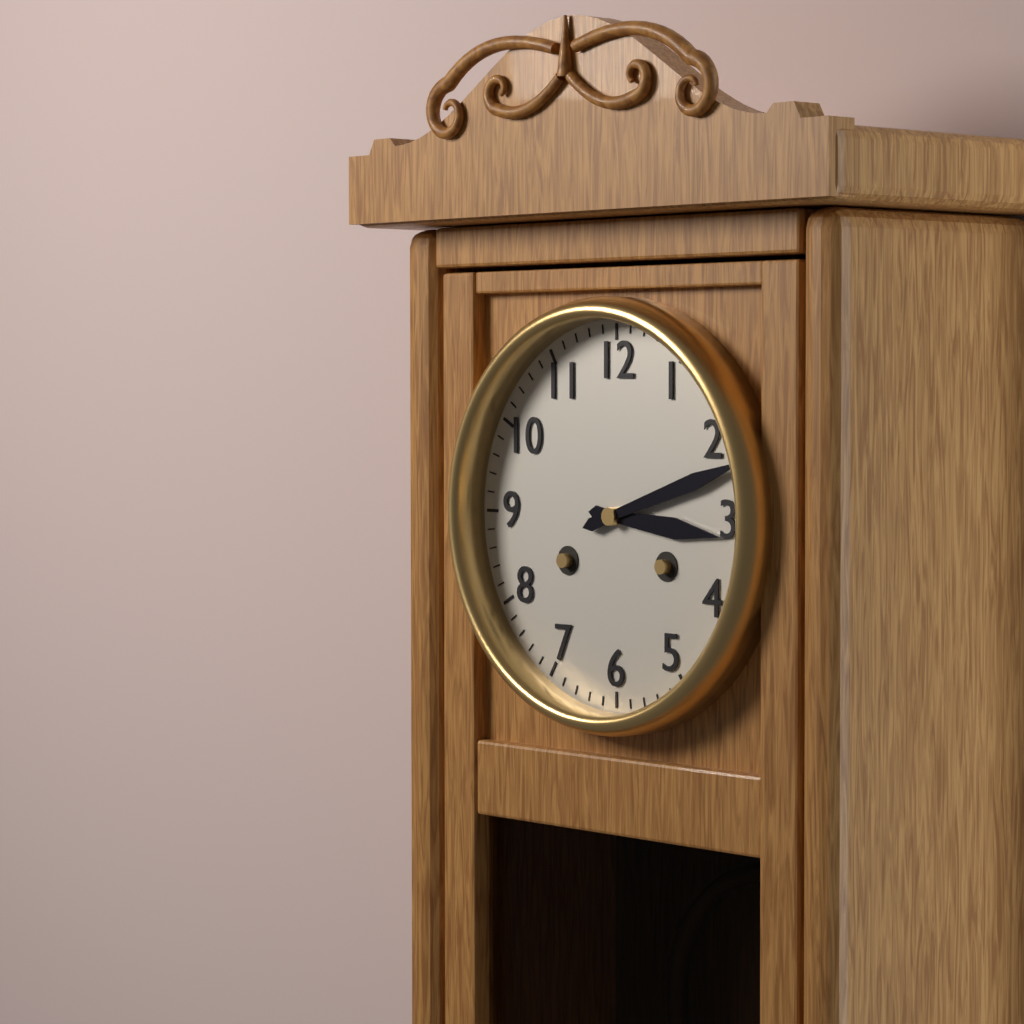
3:12
